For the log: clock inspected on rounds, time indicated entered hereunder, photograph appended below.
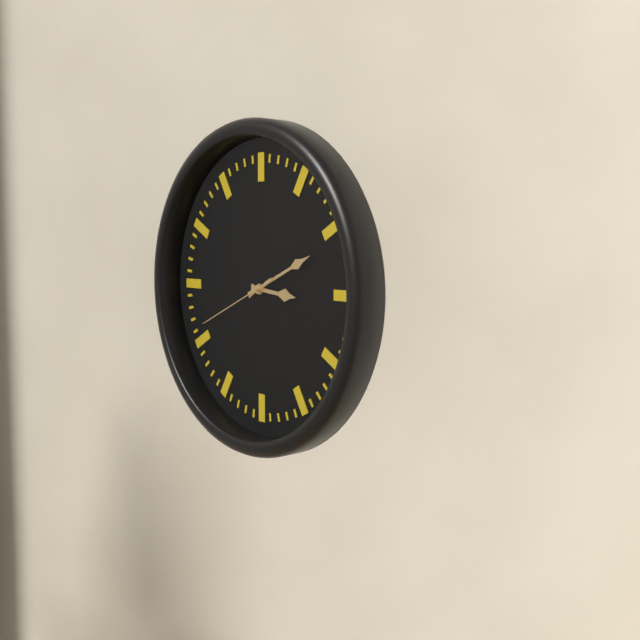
3:11:41
